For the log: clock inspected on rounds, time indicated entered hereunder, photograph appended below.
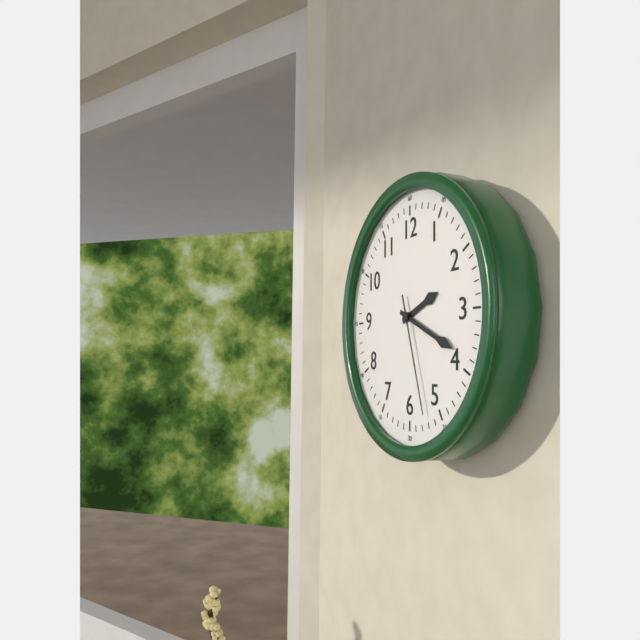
2:19:27
